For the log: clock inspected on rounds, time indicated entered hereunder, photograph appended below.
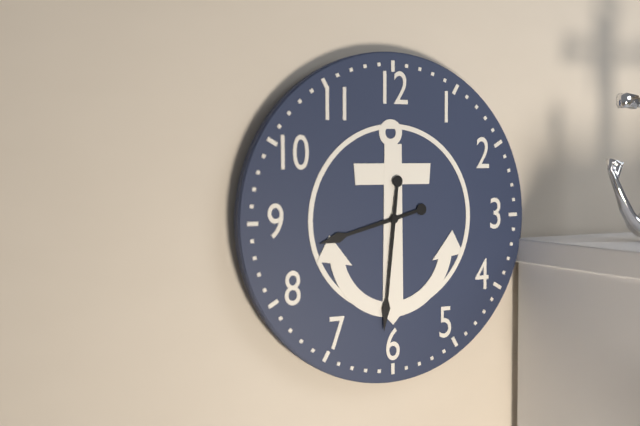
8:31
